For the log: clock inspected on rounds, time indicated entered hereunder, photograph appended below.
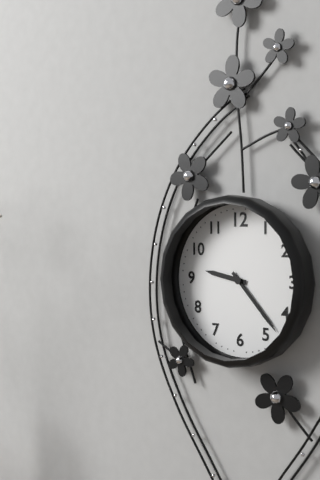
9:23
